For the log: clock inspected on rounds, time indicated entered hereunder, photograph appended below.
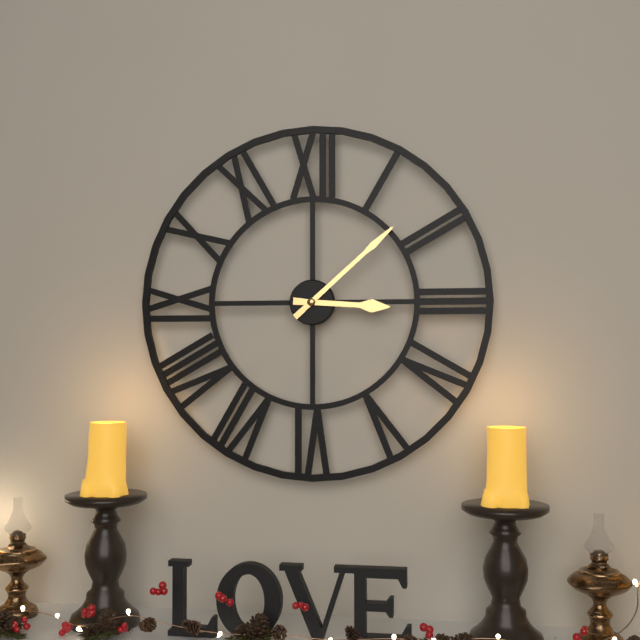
3:08
